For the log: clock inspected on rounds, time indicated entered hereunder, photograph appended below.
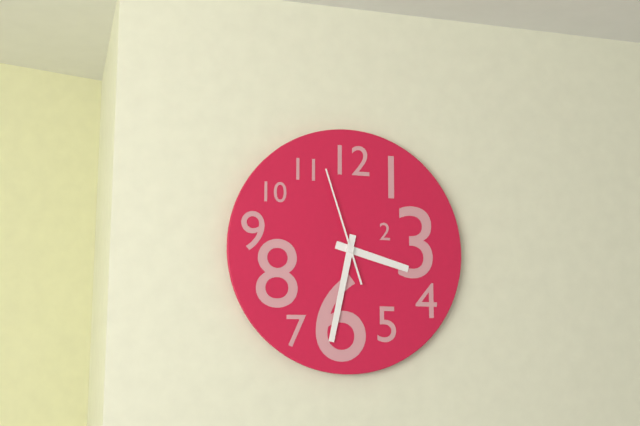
3:32:57
